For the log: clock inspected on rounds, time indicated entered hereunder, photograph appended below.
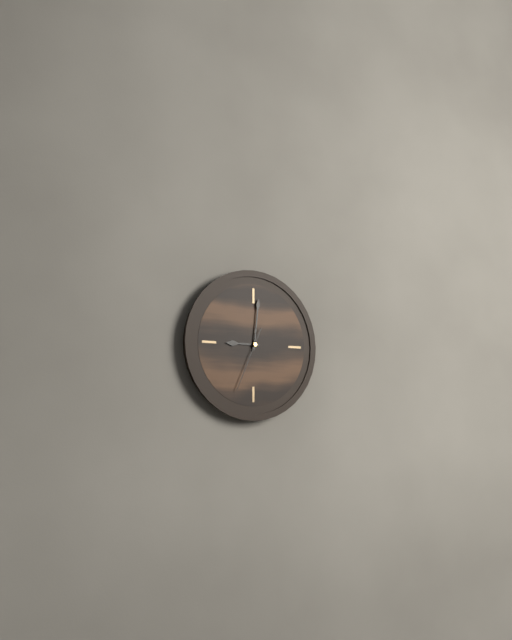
9:01:34
